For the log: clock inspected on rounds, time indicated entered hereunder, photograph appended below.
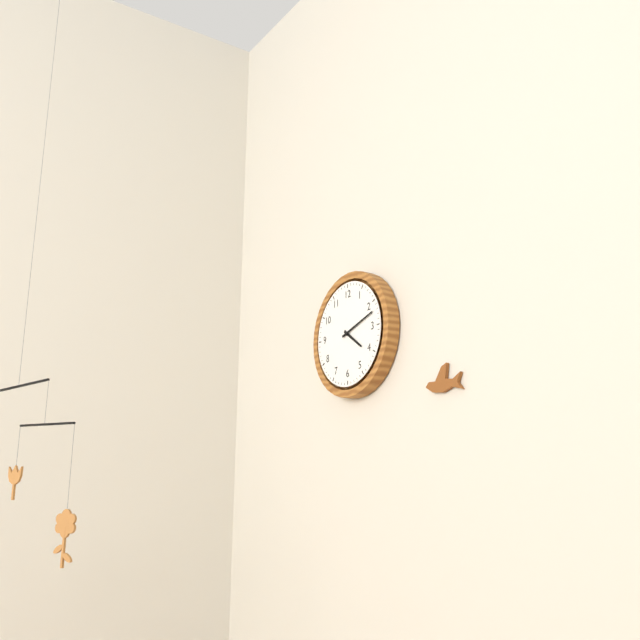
4:12
